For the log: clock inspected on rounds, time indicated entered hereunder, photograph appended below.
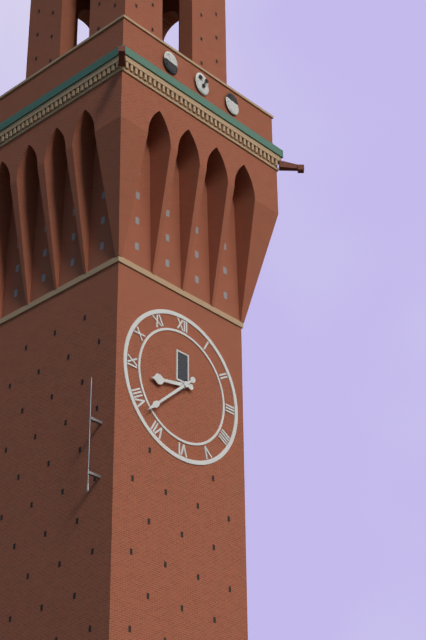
8:38
